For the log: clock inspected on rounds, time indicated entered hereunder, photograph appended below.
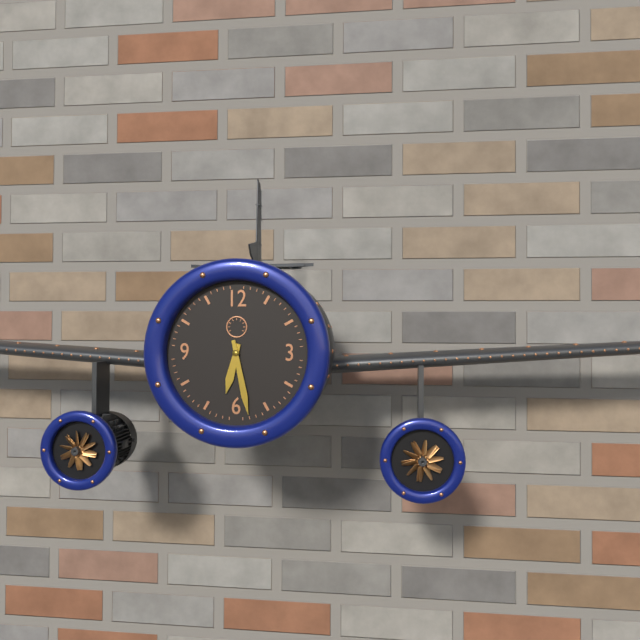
6:28
